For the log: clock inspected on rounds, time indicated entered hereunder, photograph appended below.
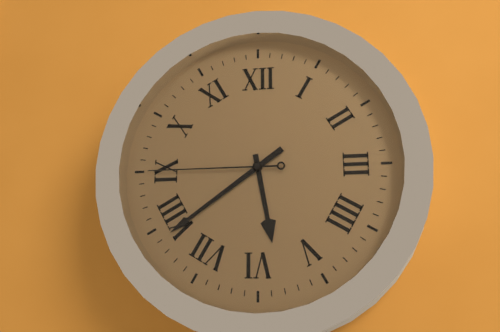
5:39:45
